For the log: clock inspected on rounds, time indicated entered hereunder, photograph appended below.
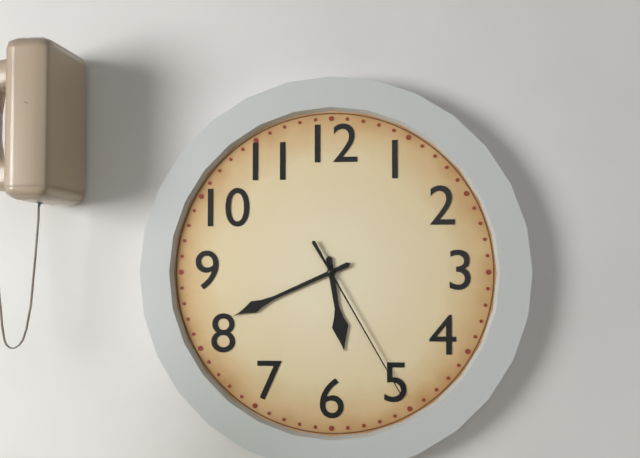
5:41:25
